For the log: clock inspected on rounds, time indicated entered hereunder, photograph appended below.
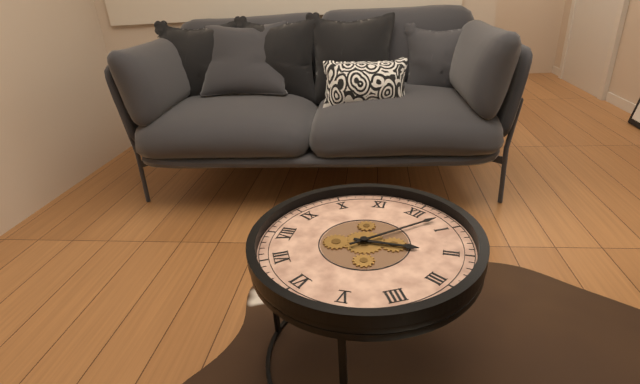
2:03
